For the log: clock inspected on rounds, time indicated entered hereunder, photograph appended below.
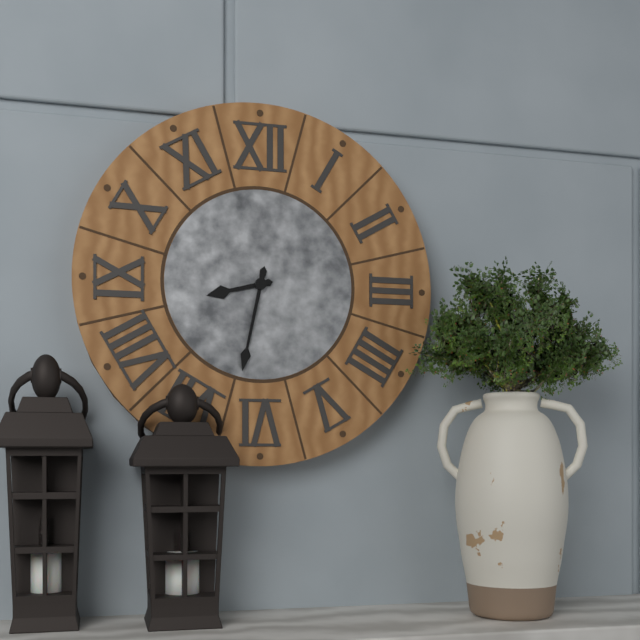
8:32
